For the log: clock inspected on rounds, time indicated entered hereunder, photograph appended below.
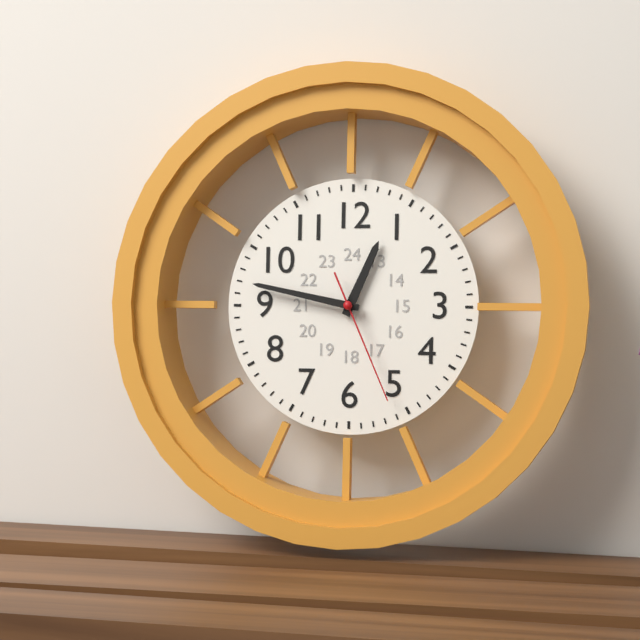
12:47:26
